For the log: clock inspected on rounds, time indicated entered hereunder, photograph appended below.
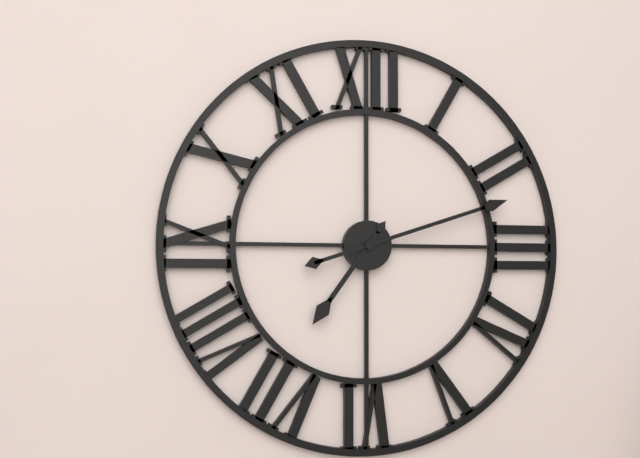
7:12
